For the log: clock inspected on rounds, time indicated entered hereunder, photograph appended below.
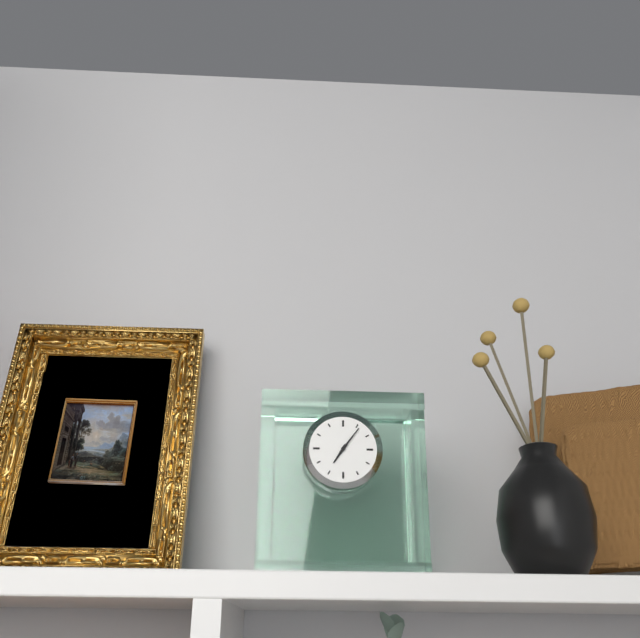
7:06
